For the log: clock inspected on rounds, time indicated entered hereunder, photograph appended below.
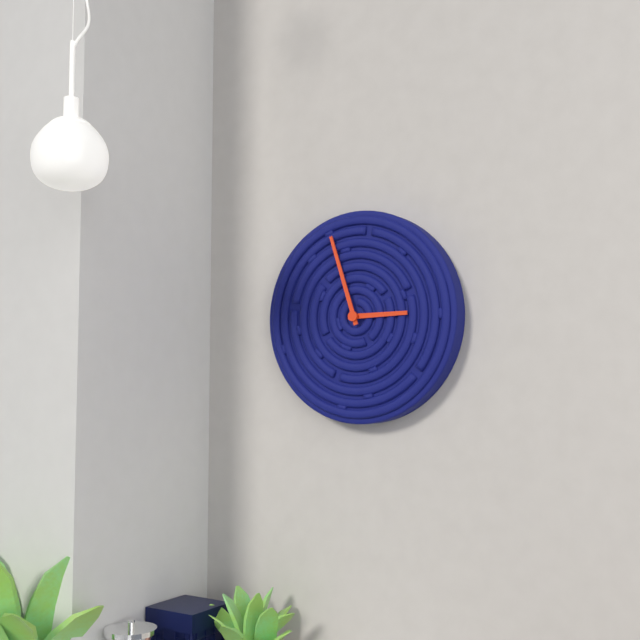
2:57
